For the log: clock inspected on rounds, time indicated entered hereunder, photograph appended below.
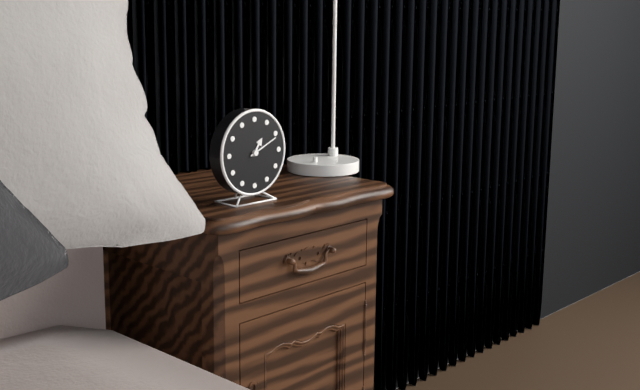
1:11
